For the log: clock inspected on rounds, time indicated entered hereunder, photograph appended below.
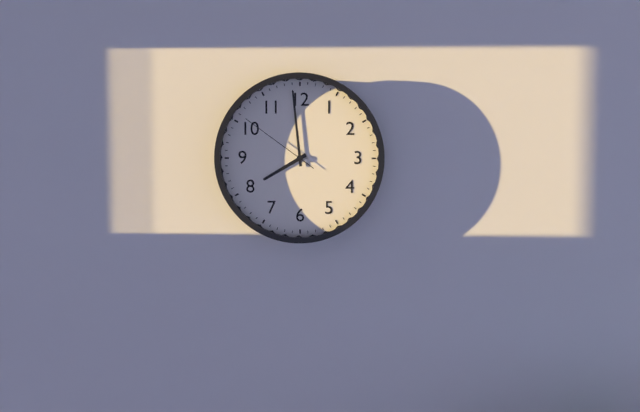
7:59:51
